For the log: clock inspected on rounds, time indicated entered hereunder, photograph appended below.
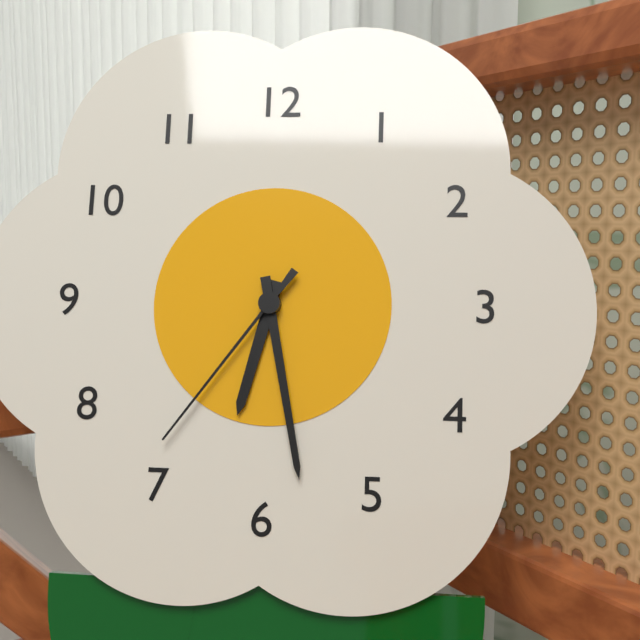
6:28:36
